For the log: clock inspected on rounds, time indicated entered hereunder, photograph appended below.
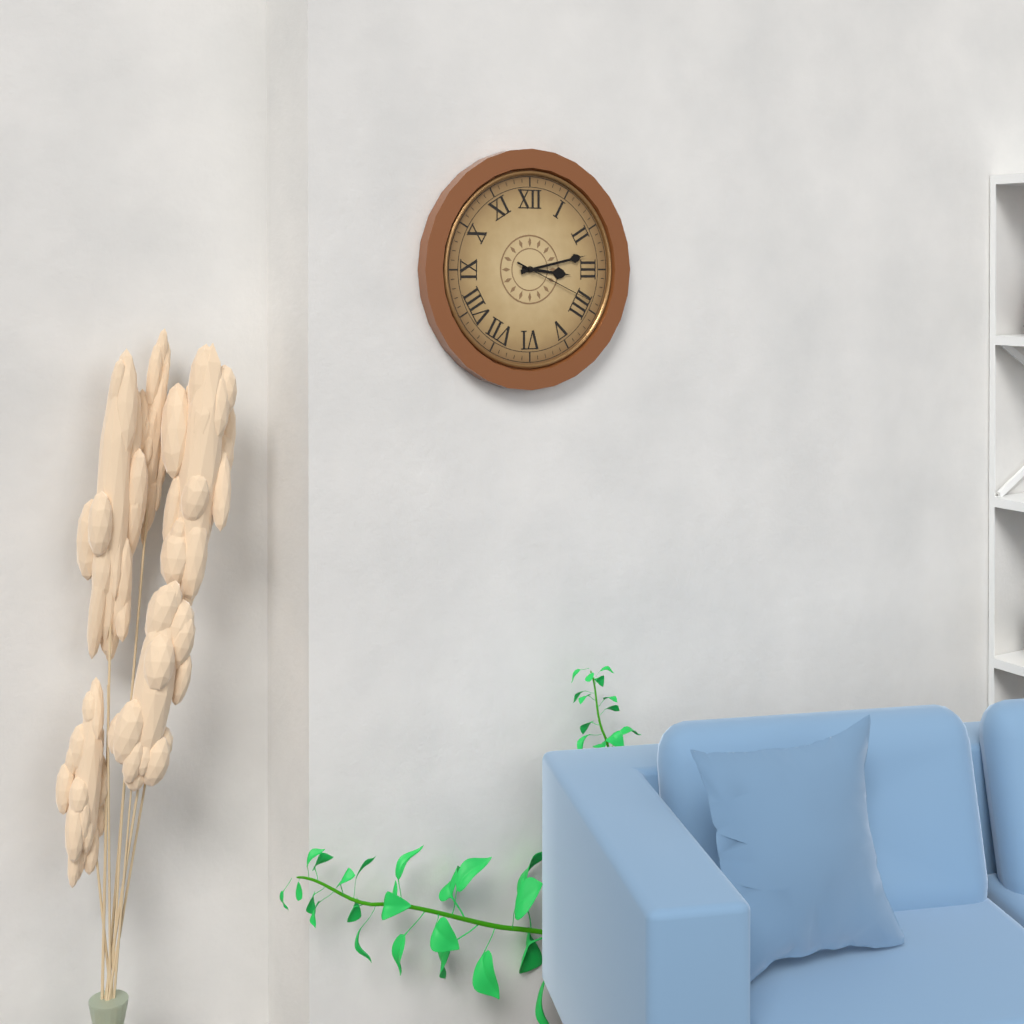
3:13:19
